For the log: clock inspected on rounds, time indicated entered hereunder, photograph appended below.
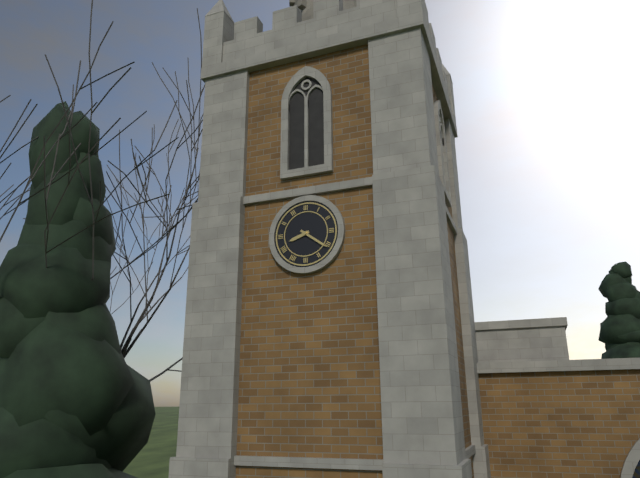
8:21
